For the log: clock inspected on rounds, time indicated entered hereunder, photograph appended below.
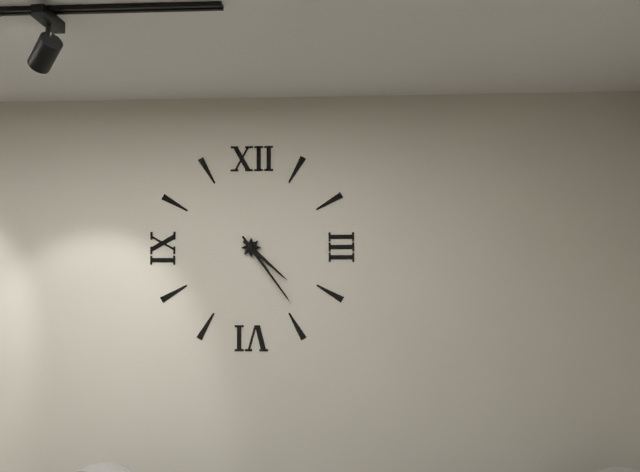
4:24
